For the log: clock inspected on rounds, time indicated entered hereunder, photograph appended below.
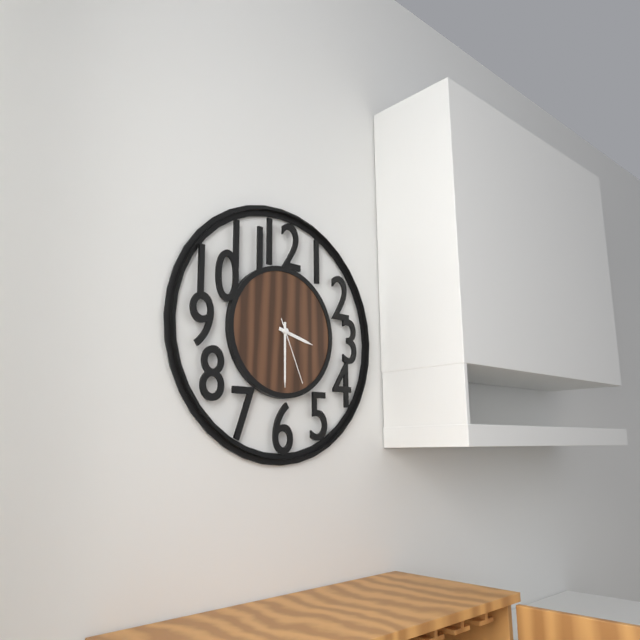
3:30:26
